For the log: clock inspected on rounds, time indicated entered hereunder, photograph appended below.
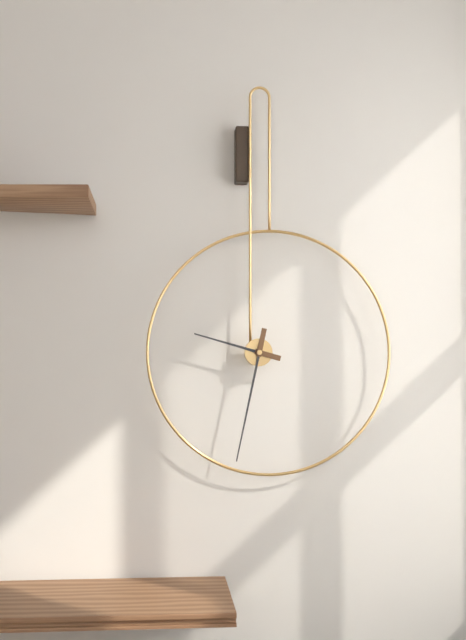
9:32
